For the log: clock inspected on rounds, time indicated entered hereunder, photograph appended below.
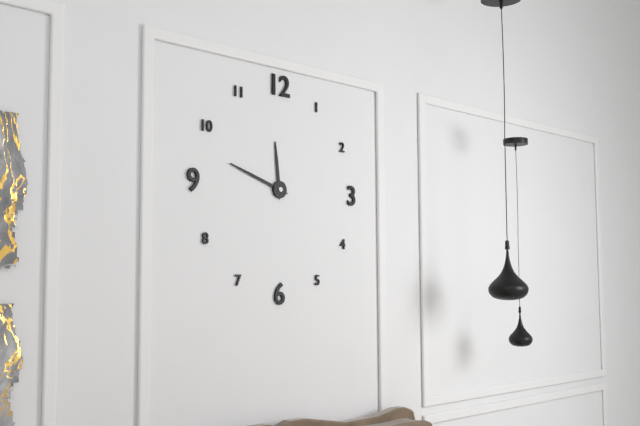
11:48
